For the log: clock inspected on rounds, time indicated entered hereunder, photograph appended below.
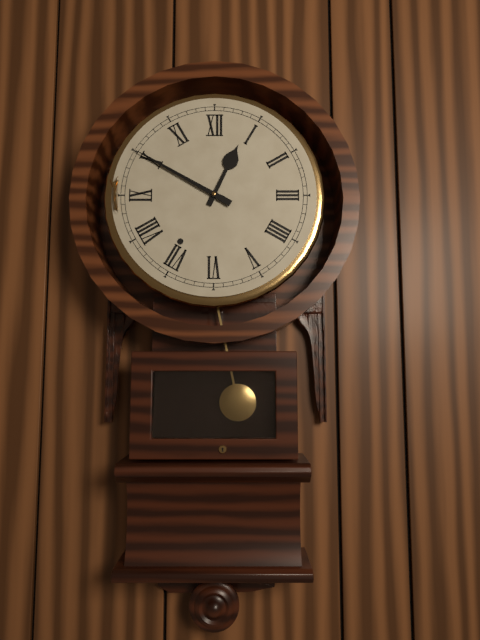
12:50
